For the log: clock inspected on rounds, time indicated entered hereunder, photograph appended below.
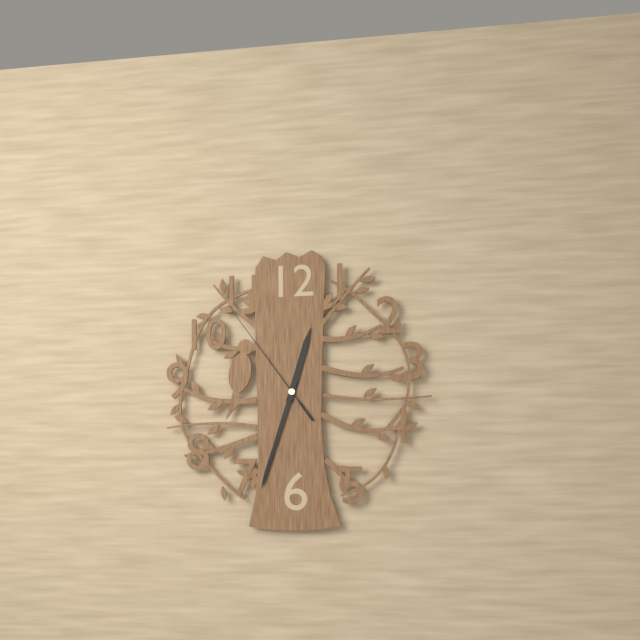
12:33:54
